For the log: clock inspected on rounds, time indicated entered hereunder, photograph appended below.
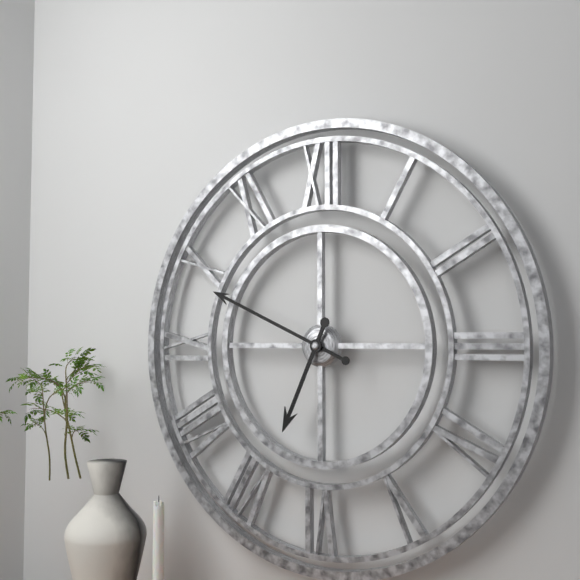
6:49
